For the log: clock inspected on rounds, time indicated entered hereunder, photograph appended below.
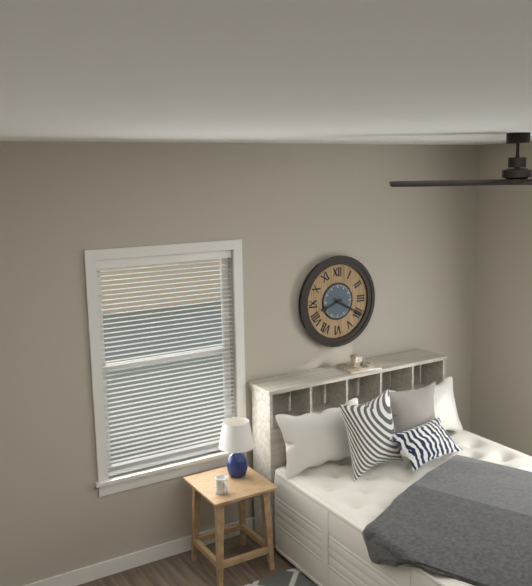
8:20
